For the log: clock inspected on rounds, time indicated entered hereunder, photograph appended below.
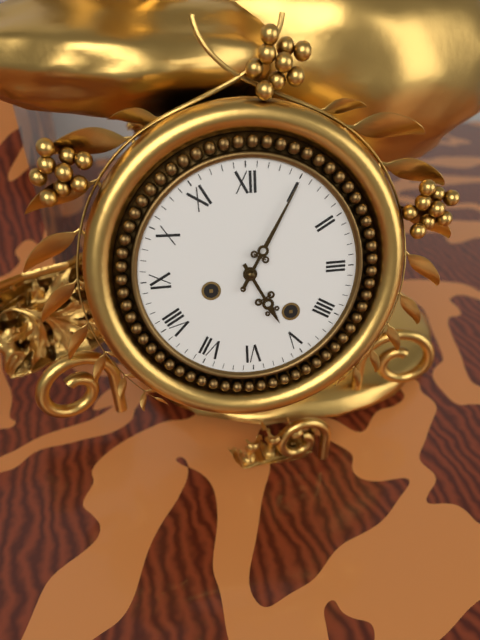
5:05
